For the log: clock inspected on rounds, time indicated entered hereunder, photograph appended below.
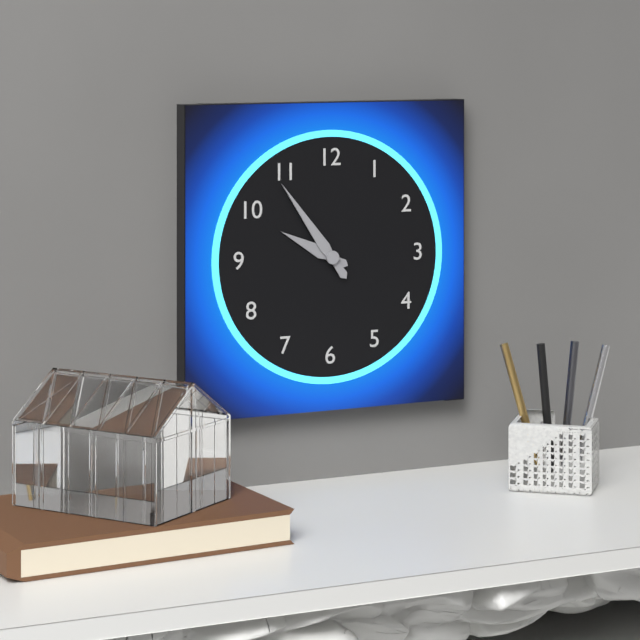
9:54
